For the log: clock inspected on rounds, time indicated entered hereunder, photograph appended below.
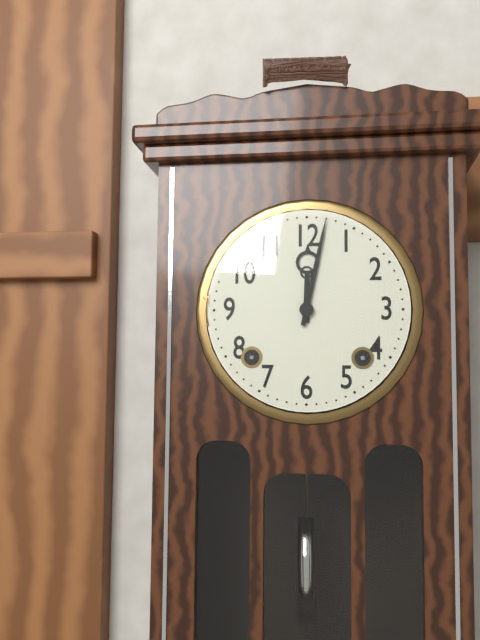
12:02
